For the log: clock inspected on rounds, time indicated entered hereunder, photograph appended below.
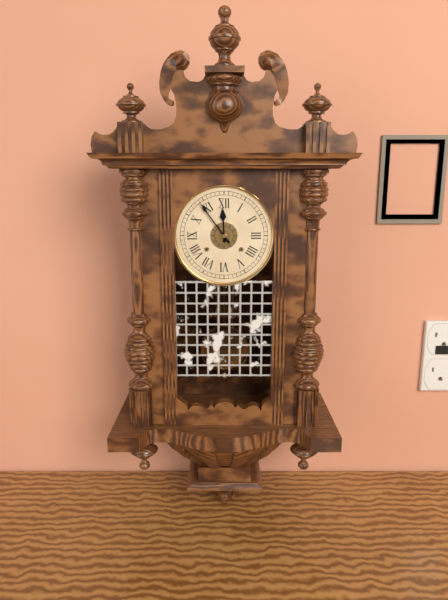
11:54
